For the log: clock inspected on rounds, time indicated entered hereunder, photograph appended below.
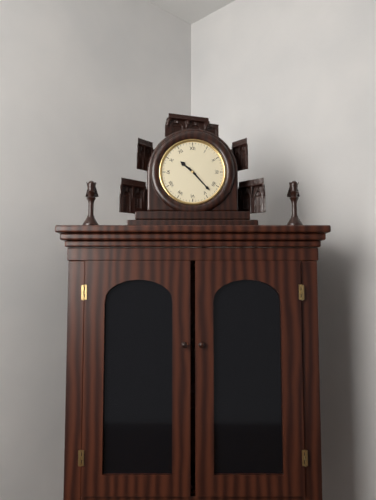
10:23
